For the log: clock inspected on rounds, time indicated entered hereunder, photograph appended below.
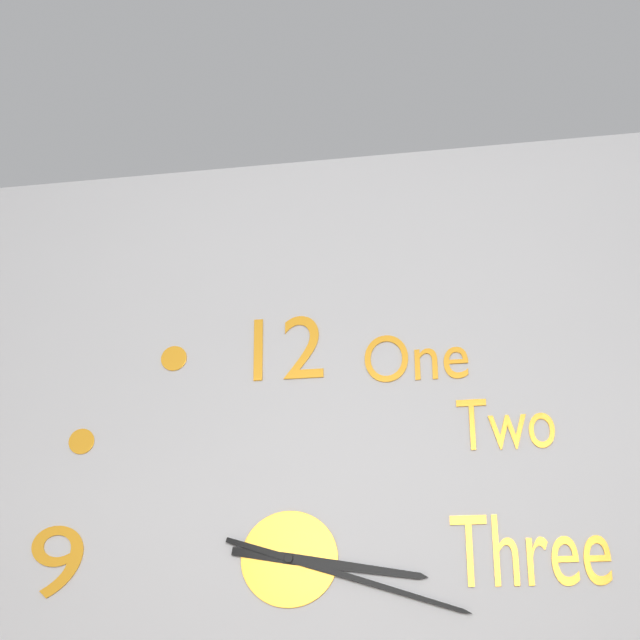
3:18
